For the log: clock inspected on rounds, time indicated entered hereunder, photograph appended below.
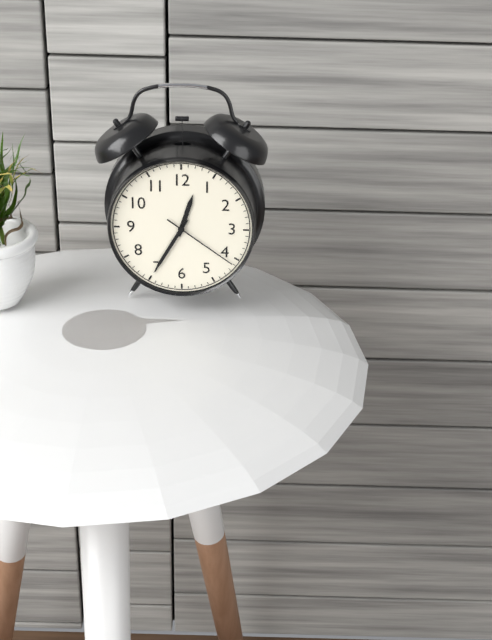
12:35:21
